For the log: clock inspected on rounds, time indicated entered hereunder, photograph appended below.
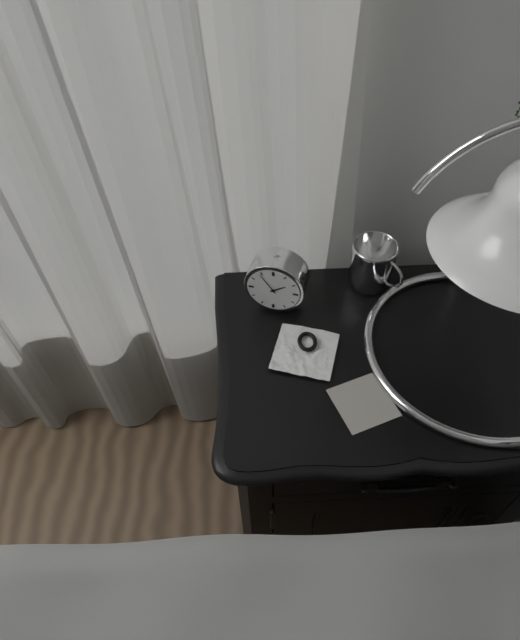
1:54
